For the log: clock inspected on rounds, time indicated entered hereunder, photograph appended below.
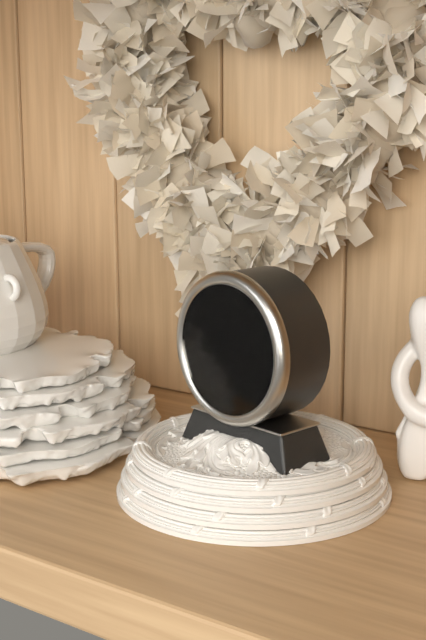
10:48
